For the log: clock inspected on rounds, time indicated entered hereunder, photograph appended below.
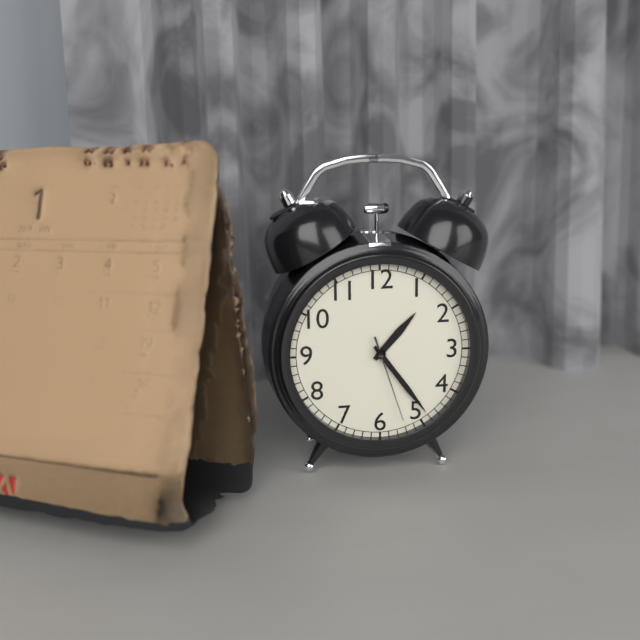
1:24:27
